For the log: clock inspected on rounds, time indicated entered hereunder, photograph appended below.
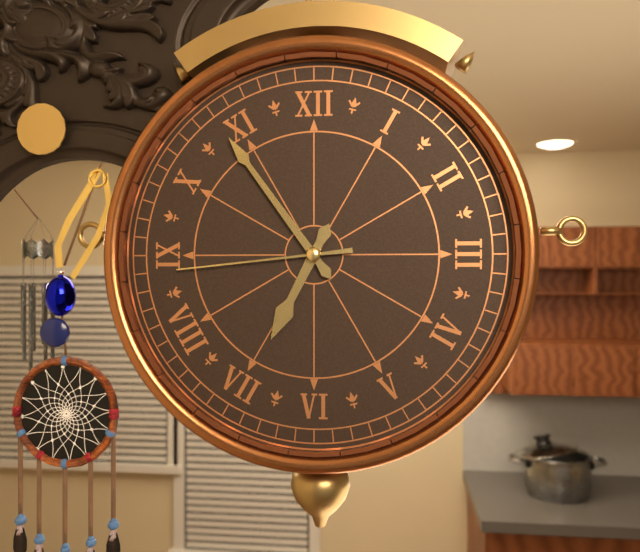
6:54:44
